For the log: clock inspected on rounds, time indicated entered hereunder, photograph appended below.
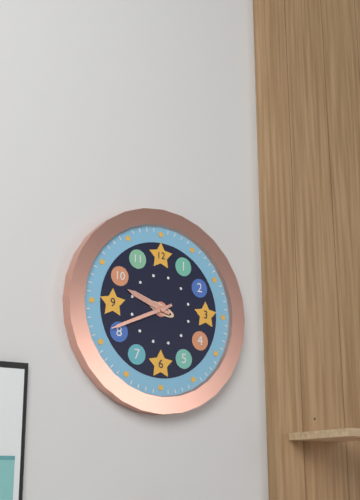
9:41
